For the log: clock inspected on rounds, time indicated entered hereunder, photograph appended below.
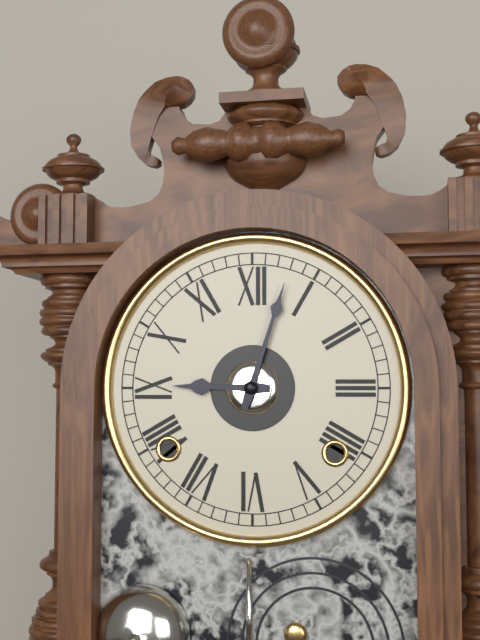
9:03
